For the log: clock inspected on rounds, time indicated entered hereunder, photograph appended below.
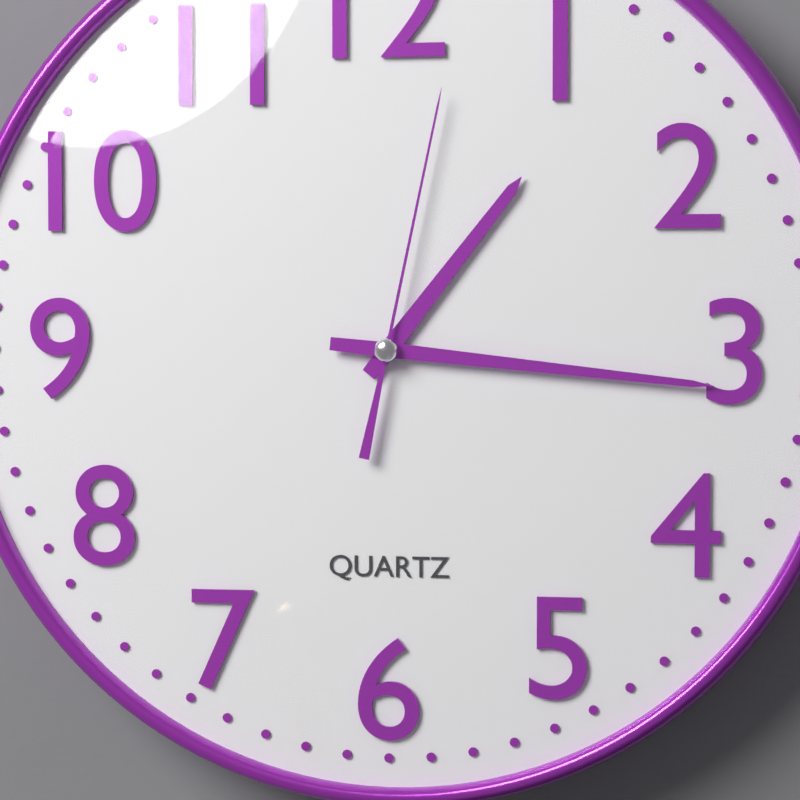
1:16:02
